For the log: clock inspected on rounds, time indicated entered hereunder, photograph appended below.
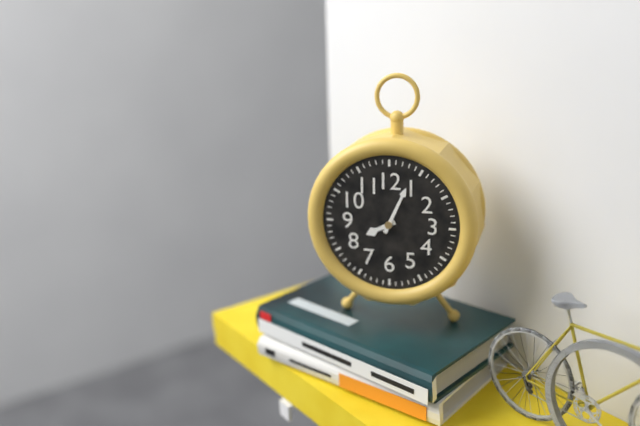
8:04
